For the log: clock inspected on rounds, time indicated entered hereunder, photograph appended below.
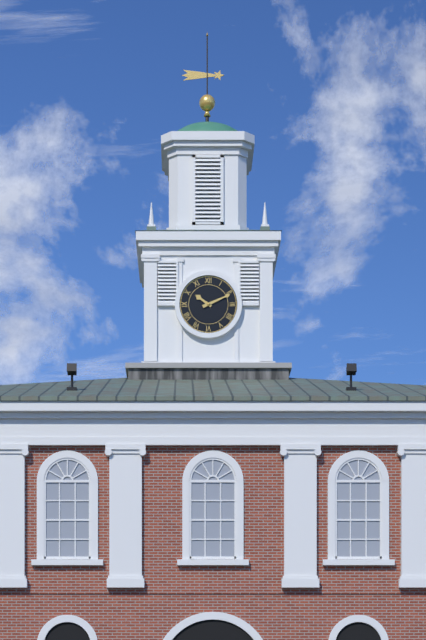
10:11
